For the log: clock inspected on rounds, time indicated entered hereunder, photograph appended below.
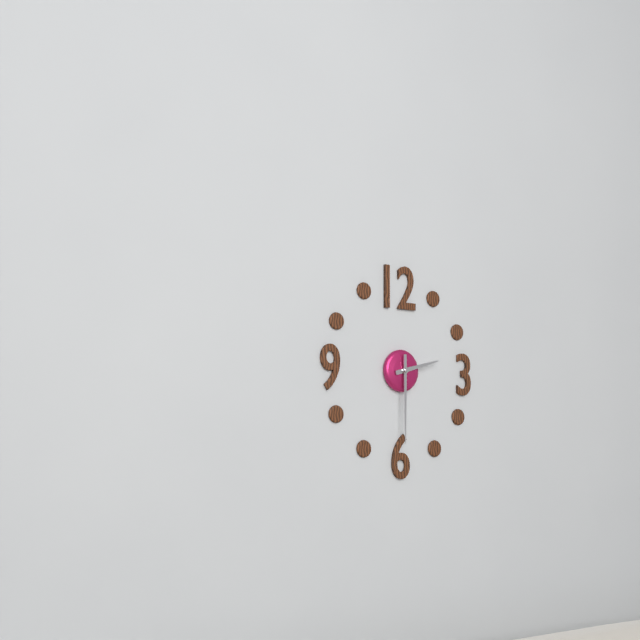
2:30
